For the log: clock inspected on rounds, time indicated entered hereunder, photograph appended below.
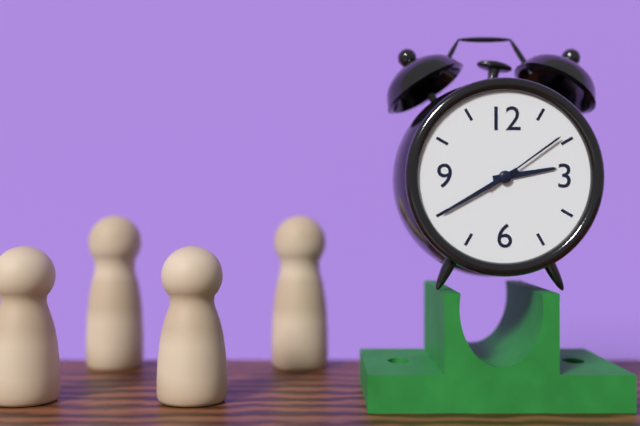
2:40:09
